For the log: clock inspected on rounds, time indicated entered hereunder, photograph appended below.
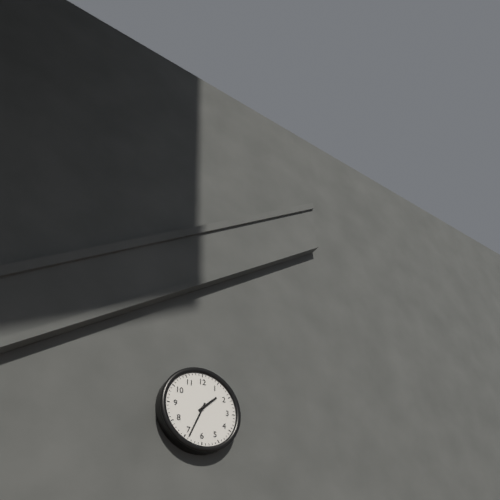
1:34
